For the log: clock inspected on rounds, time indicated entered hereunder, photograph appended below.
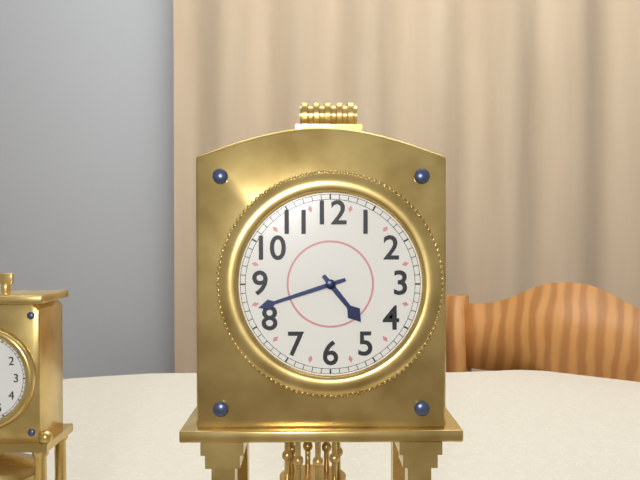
4:42
